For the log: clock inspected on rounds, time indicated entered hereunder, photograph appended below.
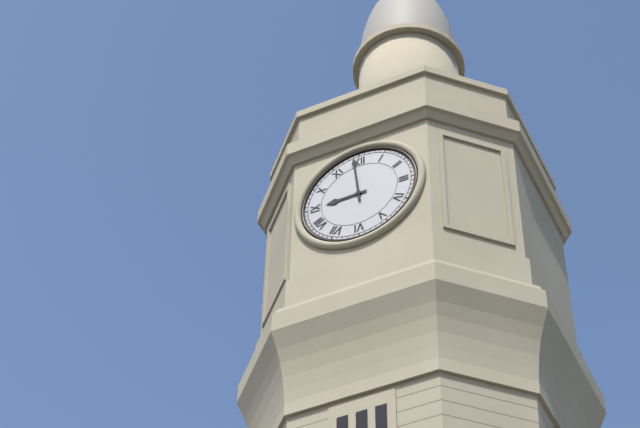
8:59
